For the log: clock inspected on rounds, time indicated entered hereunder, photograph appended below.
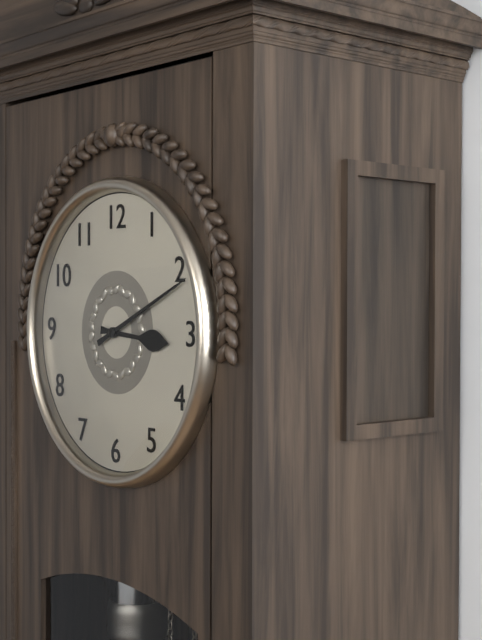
3:11
